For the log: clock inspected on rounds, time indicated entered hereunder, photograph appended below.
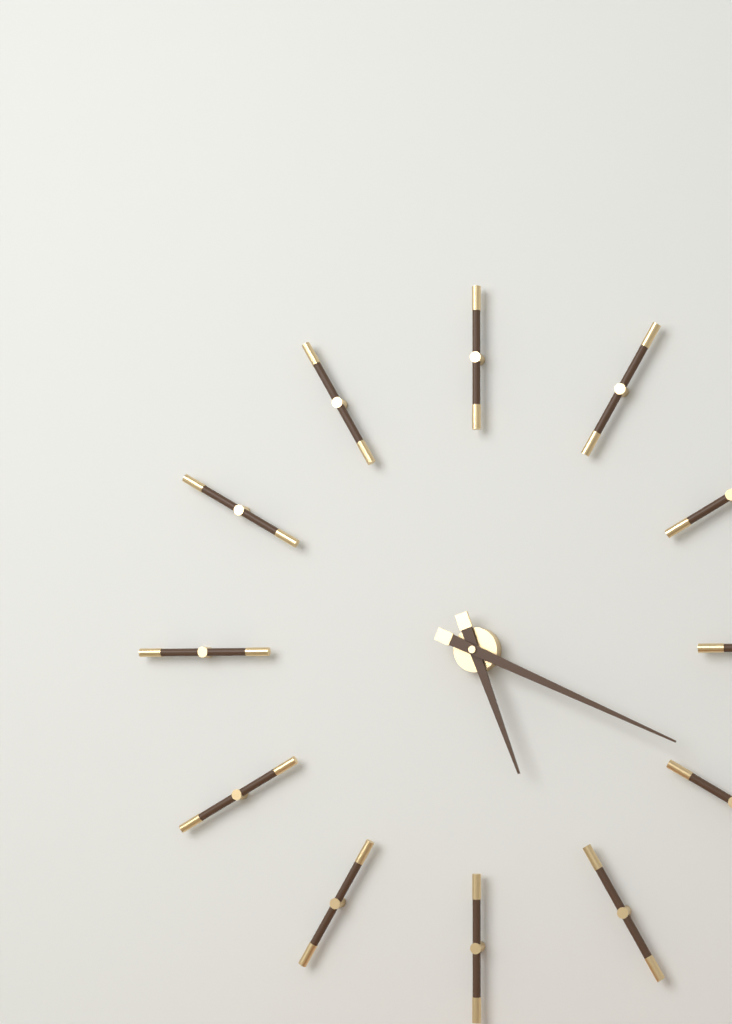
5:19
